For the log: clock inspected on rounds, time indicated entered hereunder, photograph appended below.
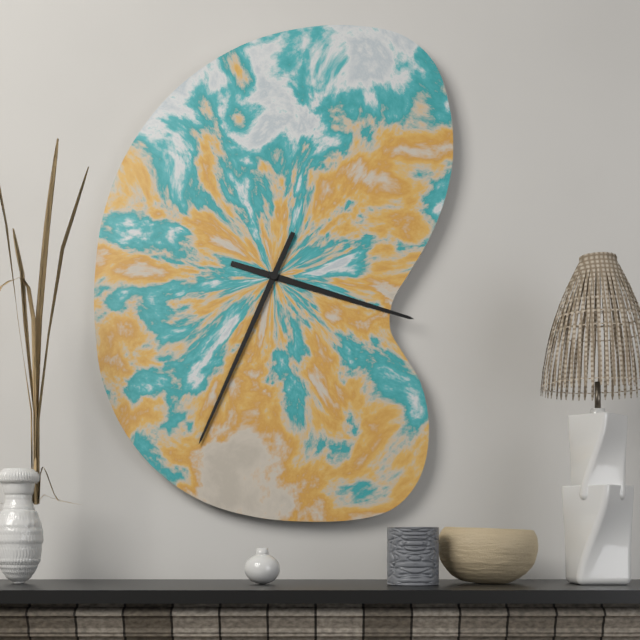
3:34
